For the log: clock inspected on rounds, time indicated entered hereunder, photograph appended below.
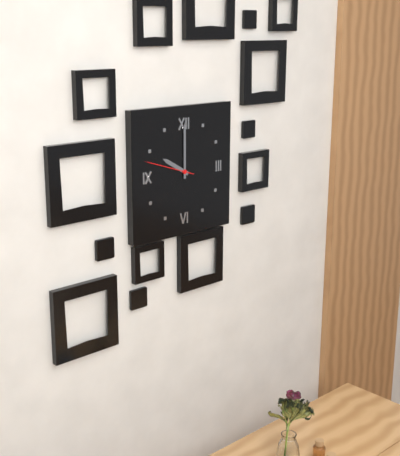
10:00:48
